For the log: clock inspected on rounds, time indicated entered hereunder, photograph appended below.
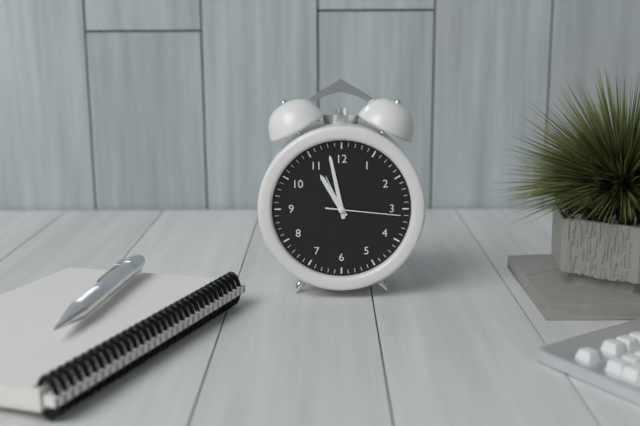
10:58:16
